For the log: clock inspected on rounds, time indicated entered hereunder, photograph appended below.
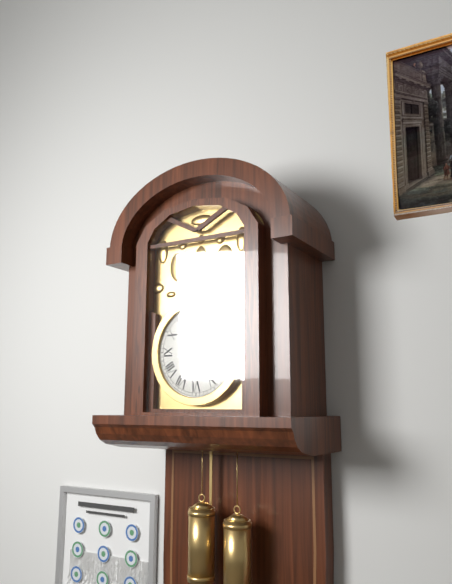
10:19
